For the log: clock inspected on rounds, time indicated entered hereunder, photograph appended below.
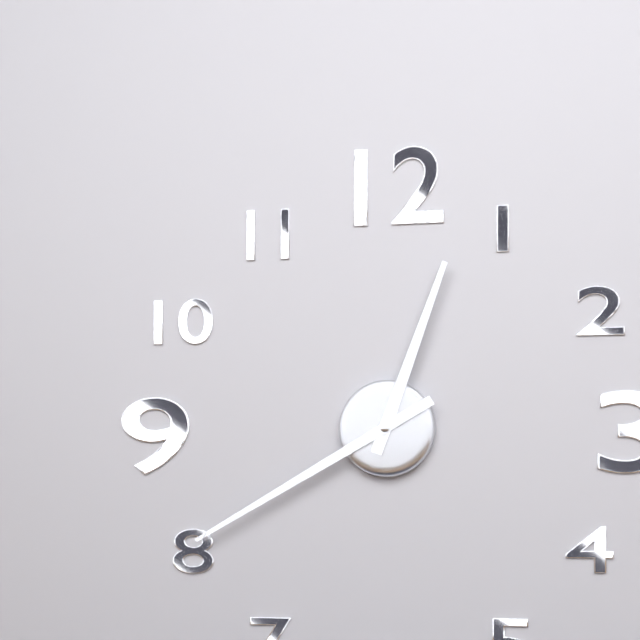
12:40
